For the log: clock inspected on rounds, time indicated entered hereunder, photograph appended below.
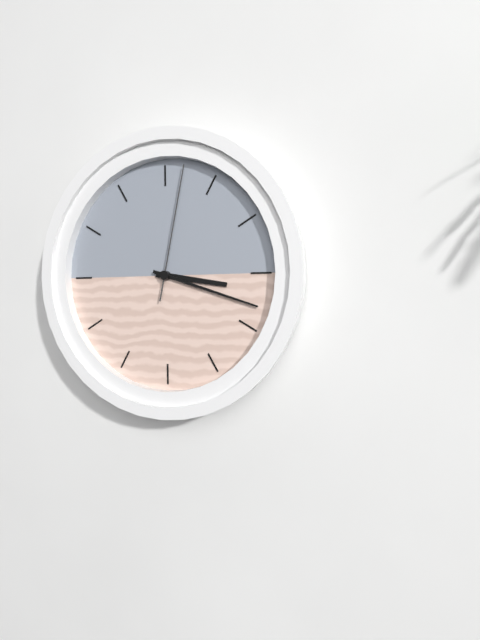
3:18:02
